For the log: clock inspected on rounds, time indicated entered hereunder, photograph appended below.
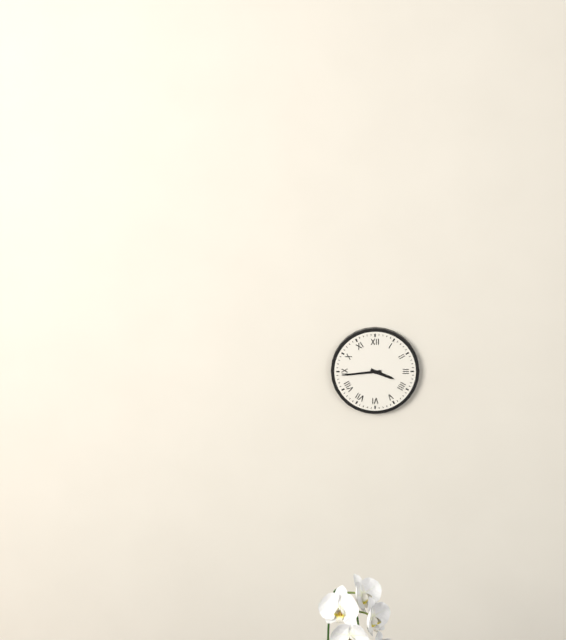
3:44
